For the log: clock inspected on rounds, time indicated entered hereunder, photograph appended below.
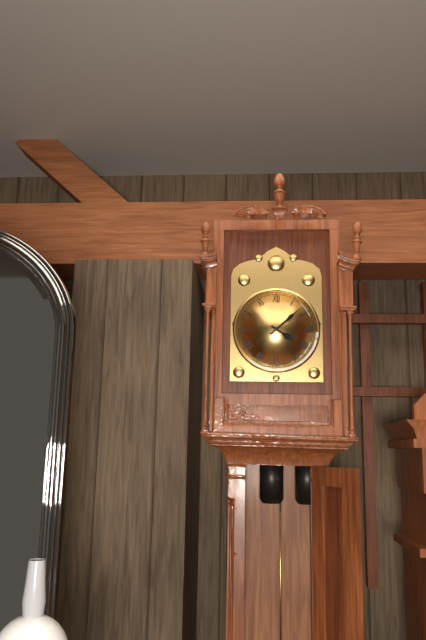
4:08
